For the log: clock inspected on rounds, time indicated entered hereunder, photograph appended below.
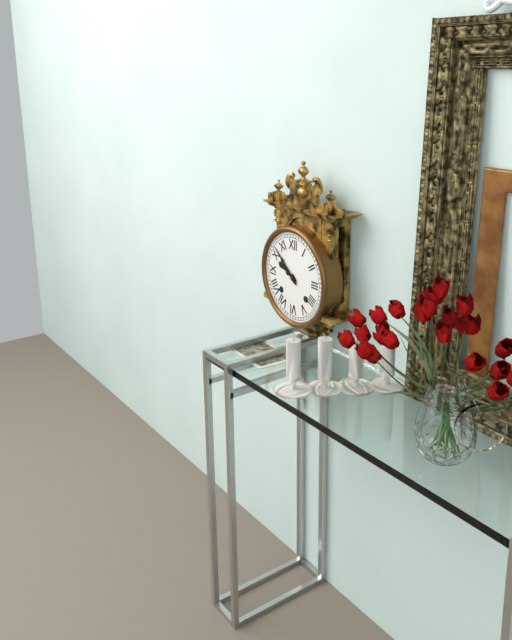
9:52
